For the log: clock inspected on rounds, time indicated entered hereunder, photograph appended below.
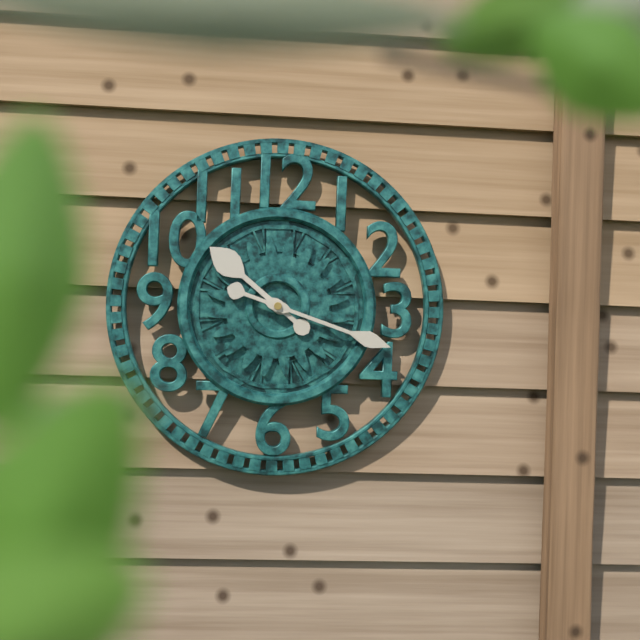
10:18
